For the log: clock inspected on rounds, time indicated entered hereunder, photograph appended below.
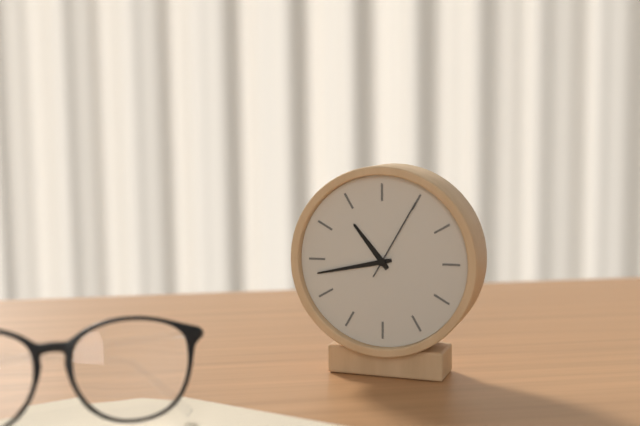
10:43:05
